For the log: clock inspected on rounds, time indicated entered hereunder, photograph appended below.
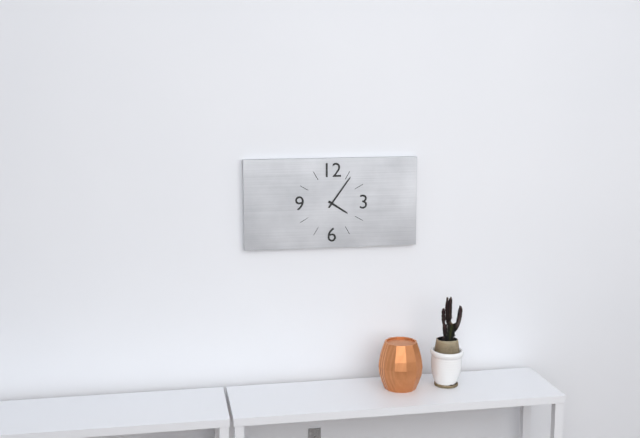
4:06
